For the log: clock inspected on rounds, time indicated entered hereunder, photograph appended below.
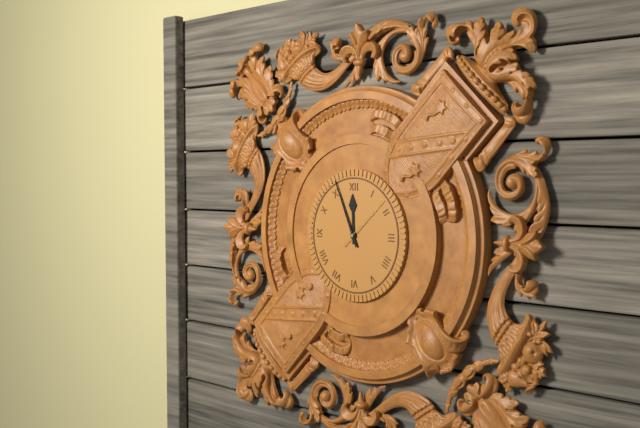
11:56:08
